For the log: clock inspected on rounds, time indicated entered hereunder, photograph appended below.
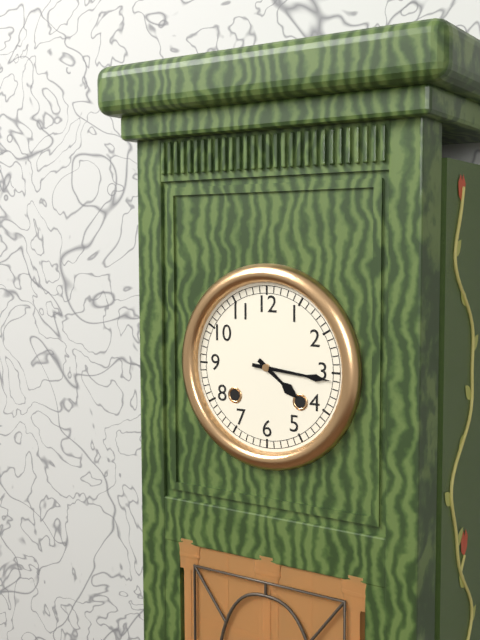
4:16
